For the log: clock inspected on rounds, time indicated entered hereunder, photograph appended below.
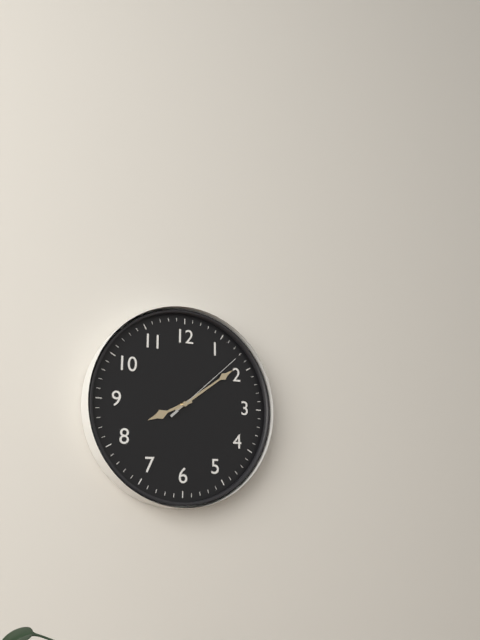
8:09:08
